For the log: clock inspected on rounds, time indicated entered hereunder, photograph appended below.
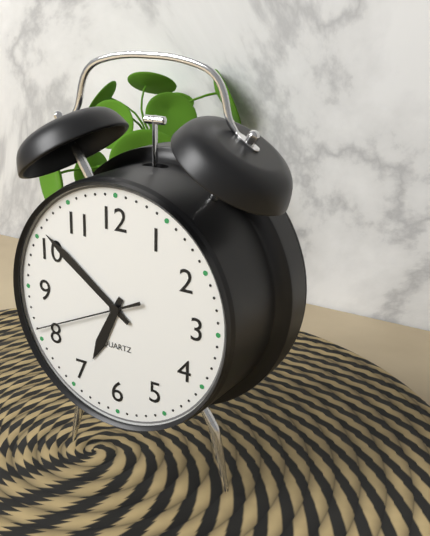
6:51:41
